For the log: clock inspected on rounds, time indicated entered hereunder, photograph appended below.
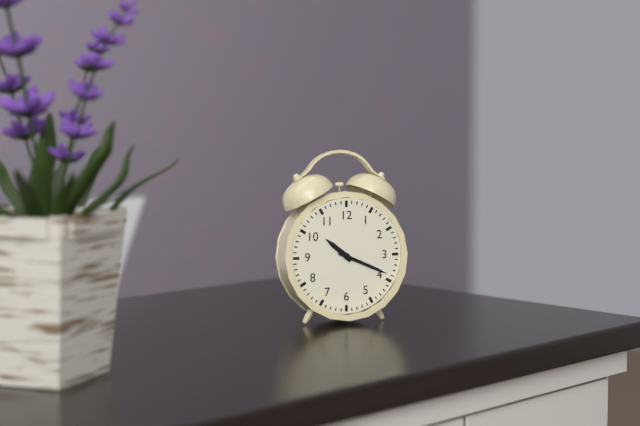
10:19
